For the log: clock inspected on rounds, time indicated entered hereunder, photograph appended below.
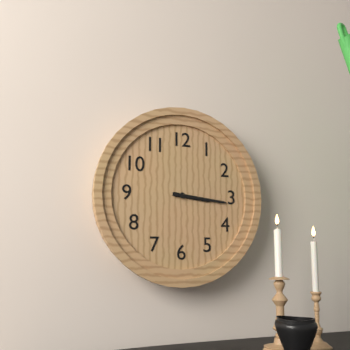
3:16
